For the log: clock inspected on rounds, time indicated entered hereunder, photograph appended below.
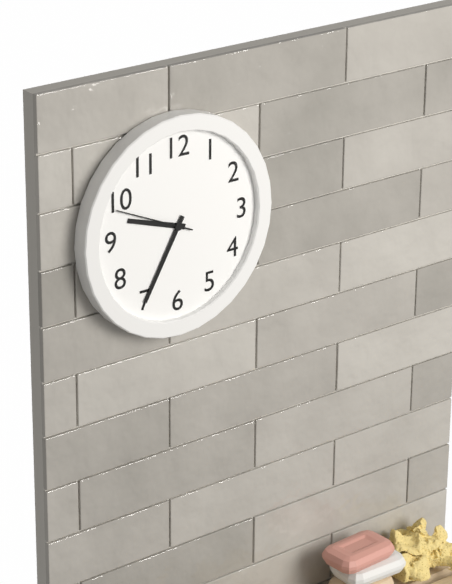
9:35:49
